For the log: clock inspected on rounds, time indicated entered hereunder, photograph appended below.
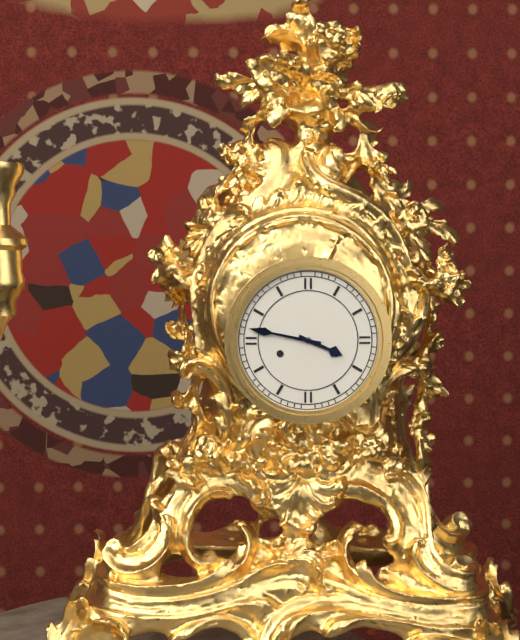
3:47
